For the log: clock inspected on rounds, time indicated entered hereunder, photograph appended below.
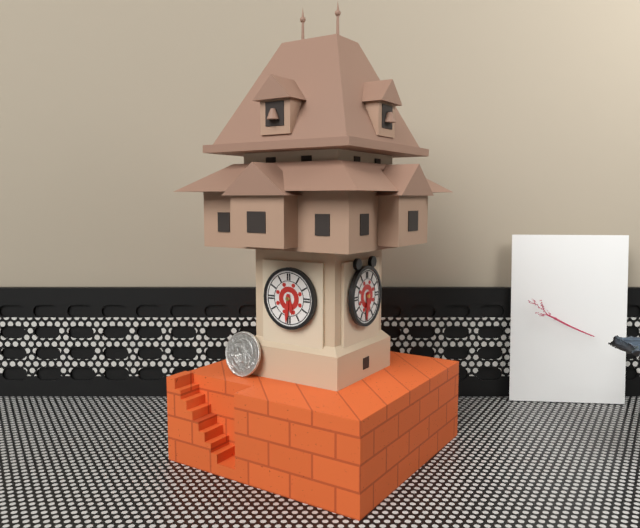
5:31
